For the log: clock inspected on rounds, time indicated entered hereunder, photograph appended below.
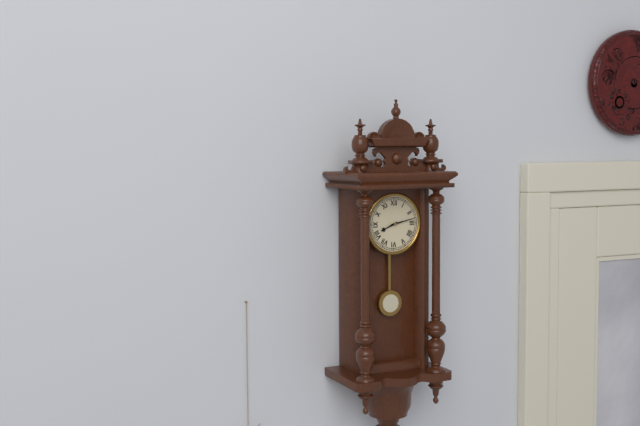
8:13
